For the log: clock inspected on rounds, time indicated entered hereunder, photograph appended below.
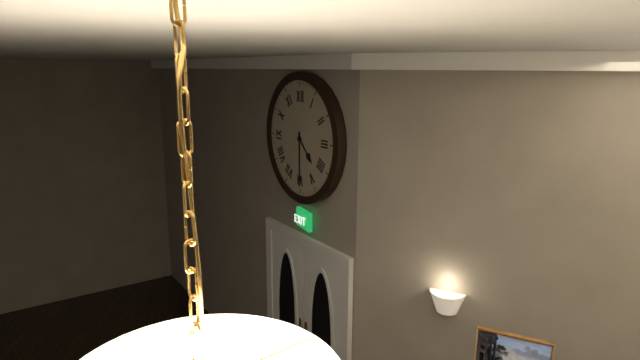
4:30
